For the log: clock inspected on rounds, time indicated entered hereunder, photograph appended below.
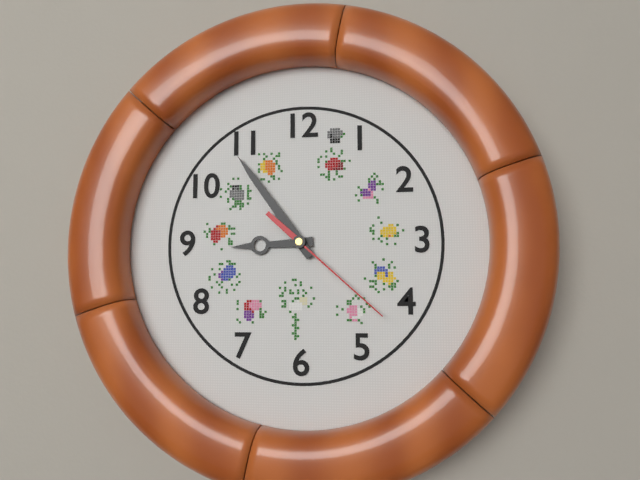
8:54:22
